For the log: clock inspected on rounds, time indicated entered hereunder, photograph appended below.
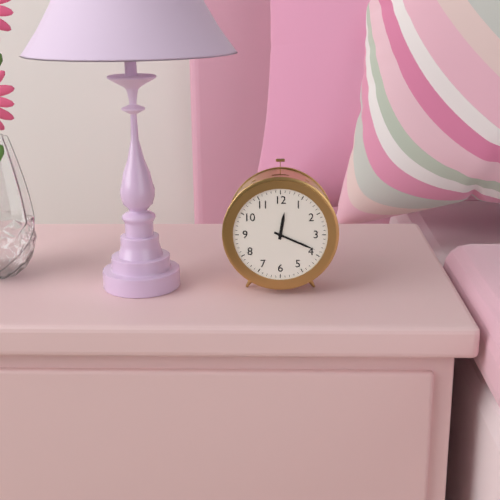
12:19
